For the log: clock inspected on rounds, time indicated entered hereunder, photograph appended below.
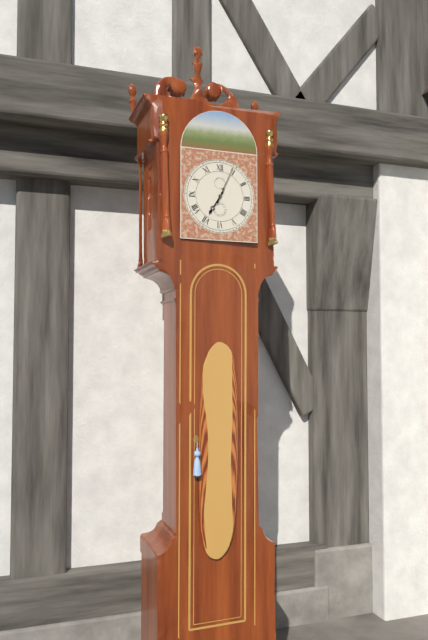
7:04
